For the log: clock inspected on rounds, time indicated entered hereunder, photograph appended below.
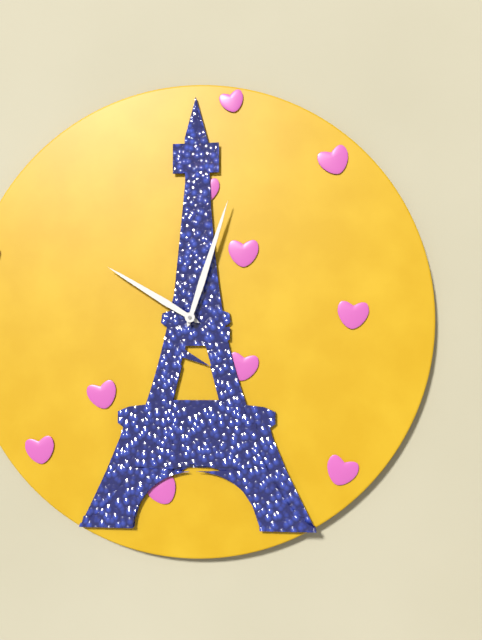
10:03
